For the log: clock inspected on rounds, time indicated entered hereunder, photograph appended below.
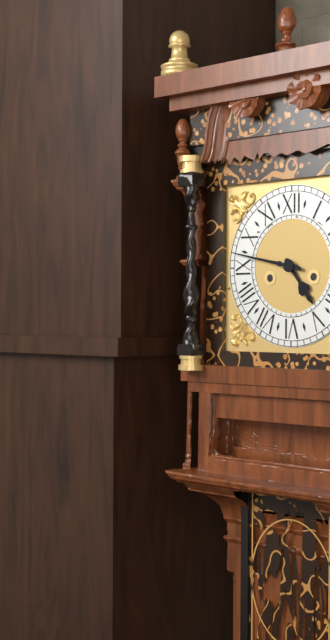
4:47
